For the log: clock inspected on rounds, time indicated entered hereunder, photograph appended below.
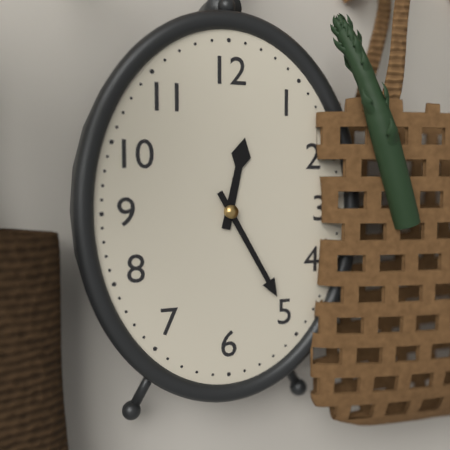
12:25
